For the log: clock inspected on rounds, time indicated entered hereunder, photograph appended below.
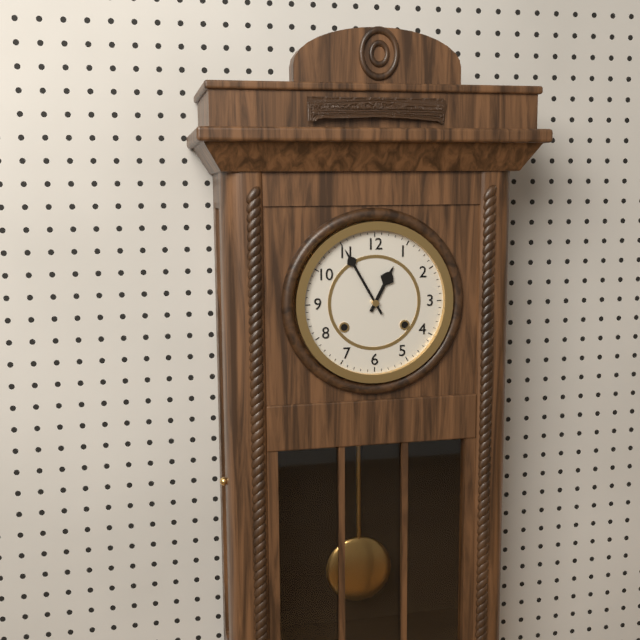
12:55
